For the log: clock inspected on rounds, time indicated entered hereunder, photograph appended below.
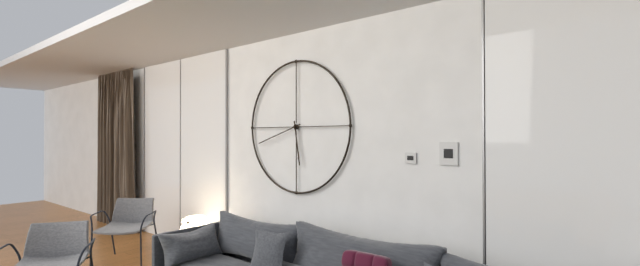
5:42
